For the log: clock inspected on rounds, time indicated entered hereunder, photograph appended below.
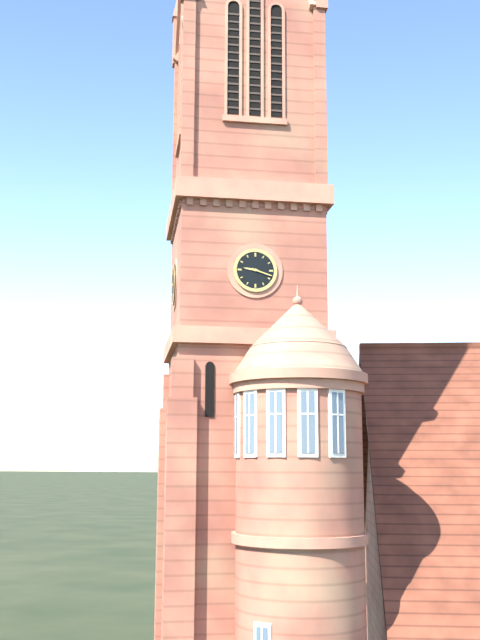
9:18
